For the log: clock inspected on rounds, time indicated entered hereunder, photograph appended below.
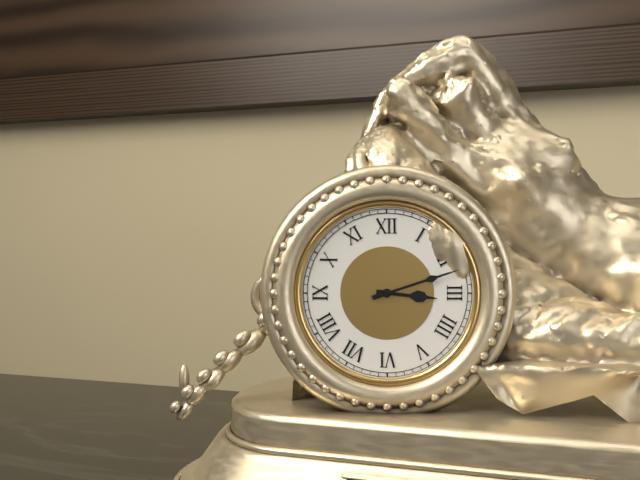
3:12
